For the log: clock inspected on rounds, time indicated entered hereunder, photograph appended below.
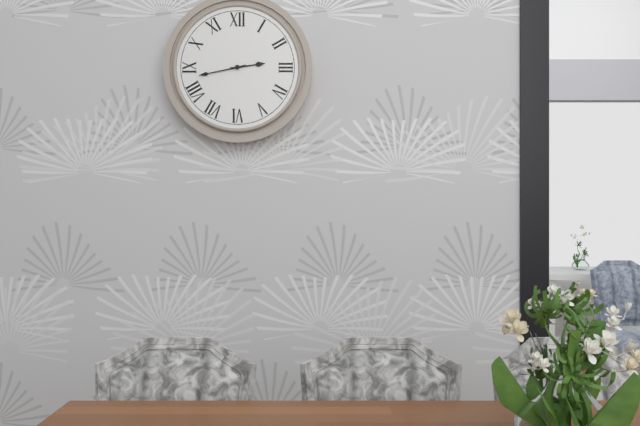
2:43
